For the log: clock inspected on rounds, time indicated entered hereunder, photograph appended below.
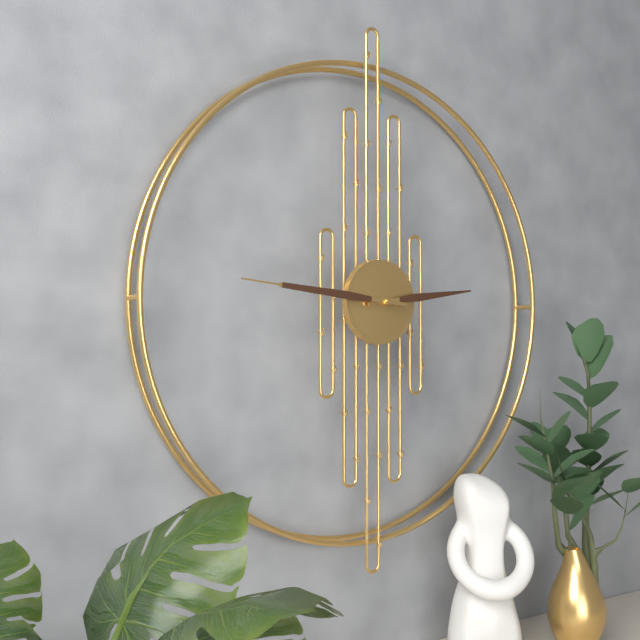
2:46
